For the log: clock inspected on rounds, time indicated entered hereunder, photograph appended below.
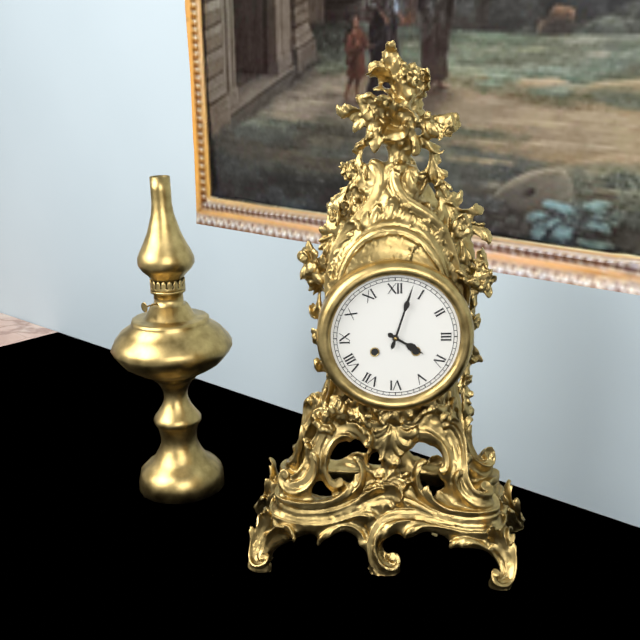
4:03
